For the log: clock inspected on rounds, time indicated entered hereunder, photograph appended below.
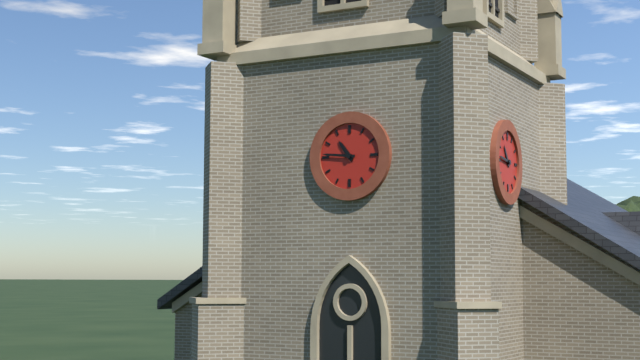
10:46
